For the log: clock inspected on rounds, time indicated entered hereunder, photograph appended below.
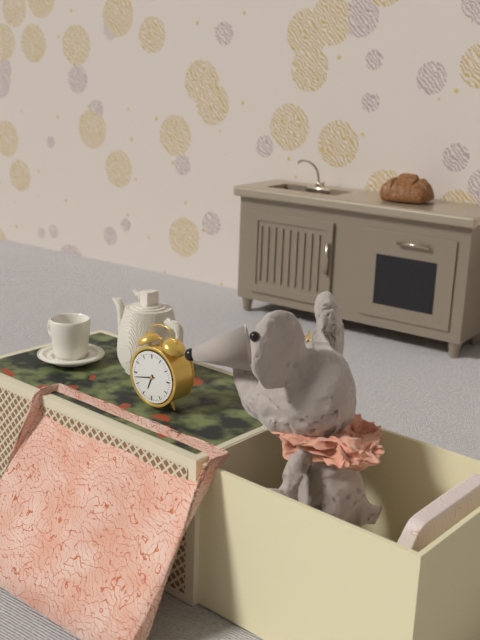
6:43
